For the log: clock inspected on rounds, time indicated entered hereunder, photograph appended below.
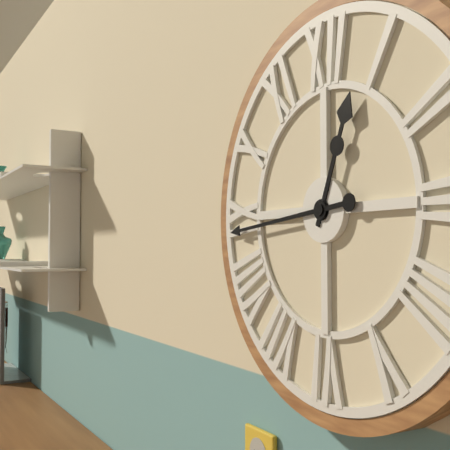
12:44
